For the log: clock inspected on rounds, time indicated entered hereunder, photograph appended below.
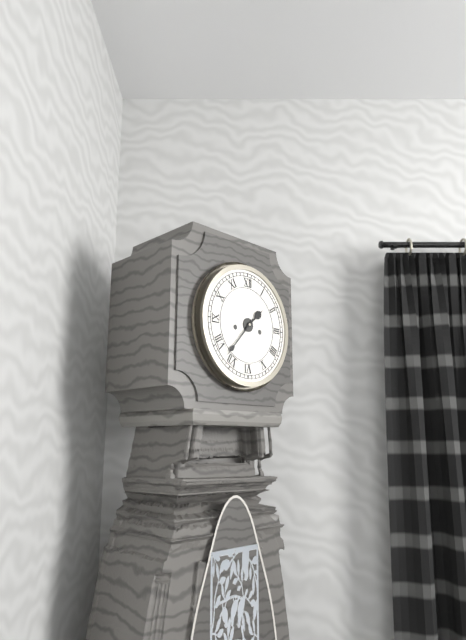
1:37
